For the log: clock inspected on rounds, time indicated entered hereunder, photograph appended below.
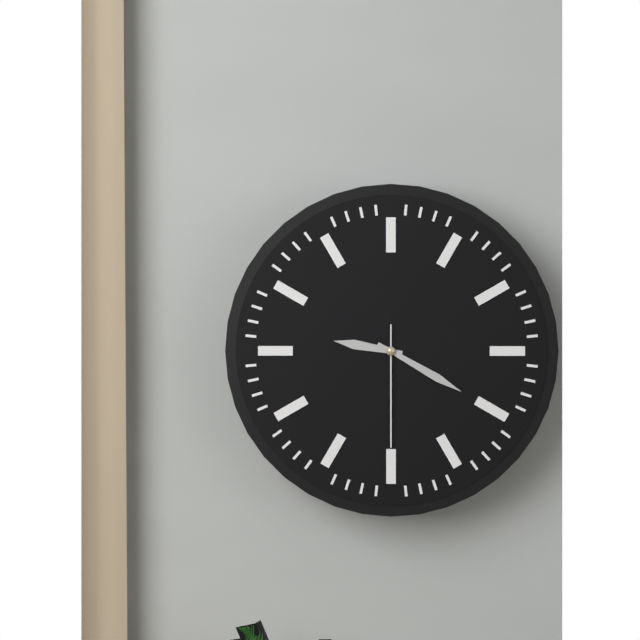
9:20:30
